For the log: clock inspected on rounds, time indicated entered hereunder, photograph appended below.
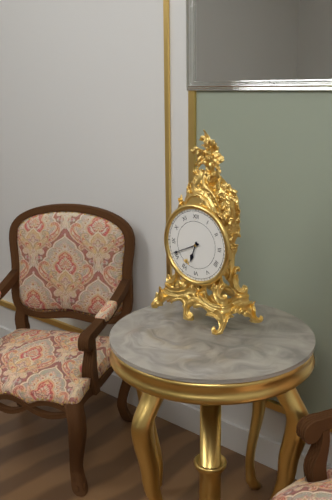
6:41
